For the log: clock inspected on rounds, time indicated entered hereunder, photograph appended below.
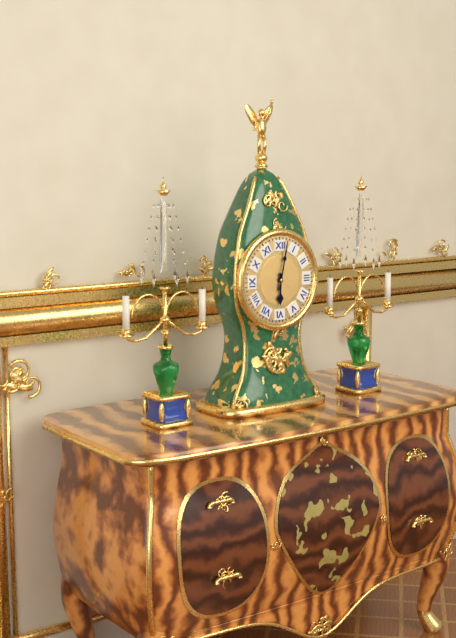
6:02
